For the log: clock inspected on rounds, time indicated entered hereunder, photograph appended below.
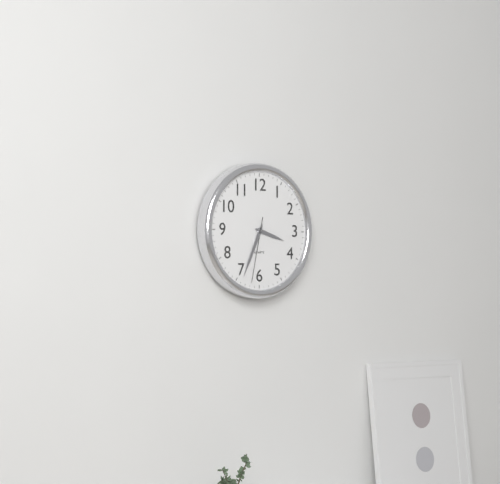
3:34:32
